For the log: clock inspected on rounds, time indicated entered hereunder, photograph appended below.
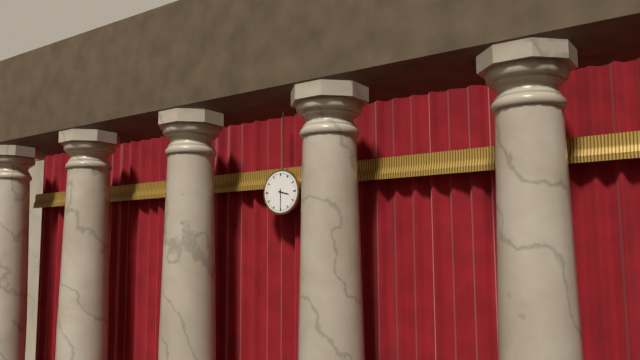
3:30
